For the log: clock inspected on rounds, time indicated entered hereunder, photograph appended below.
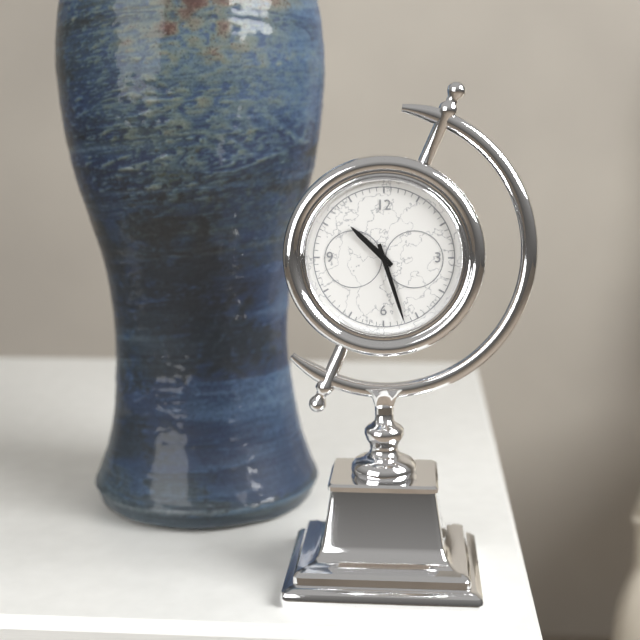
10:27
